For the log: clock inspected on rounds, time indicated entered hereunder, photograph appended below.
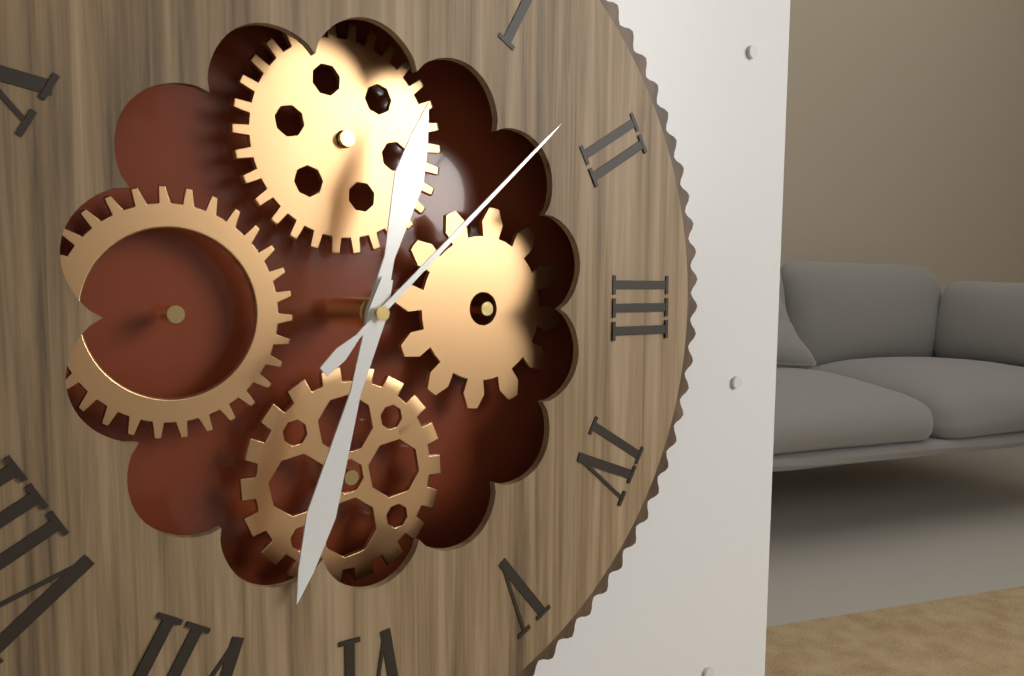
12:33:08
